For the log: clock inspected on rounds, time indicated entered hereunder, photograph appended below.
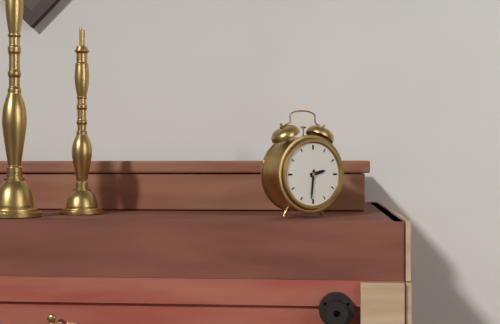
2:31
